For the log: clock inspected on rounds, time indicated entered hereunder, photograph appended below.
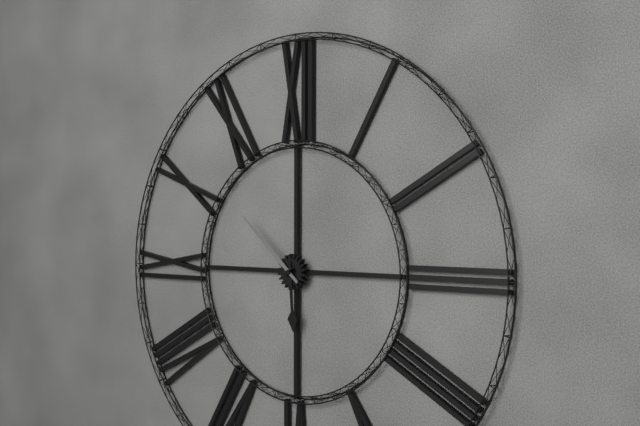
5:52
